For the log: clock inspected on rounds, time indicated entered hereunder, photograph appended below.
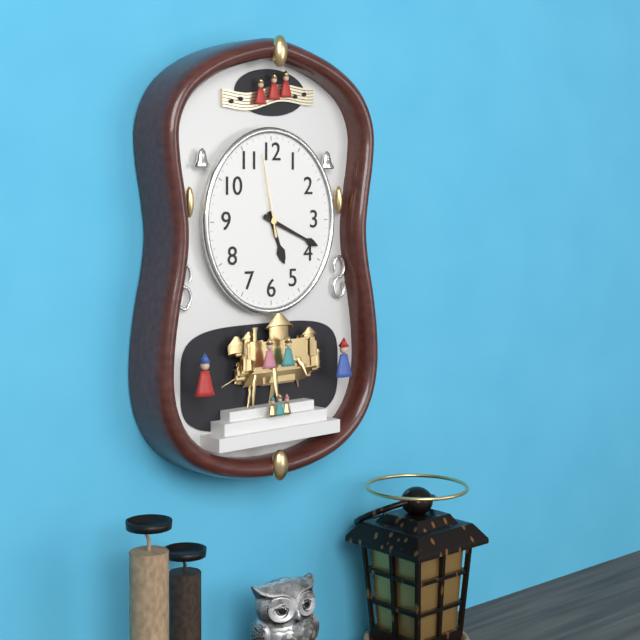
5:19:58
